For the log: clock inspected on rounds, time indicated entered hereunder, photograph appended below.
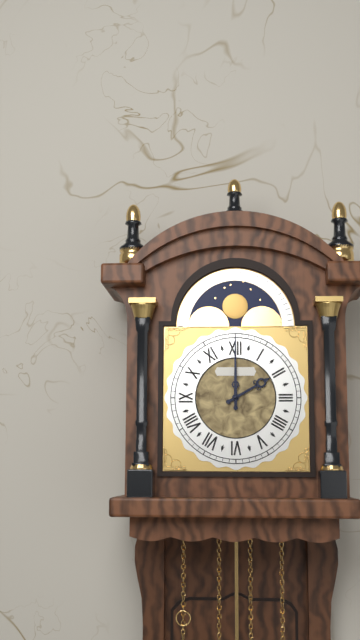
2:00
